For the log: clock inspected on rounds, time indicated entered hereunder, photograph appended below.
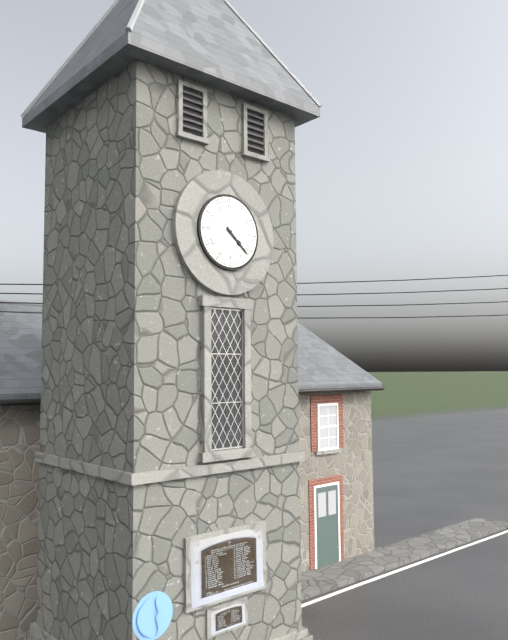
4:22
